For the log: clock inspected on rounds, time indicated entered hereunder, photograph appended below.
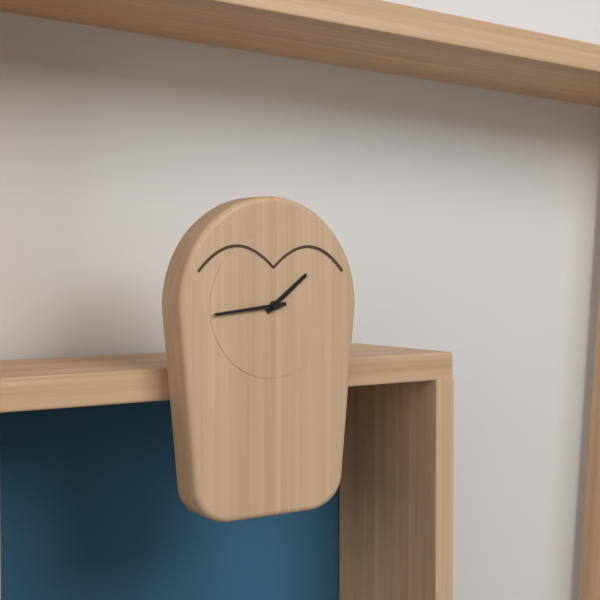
1:44
